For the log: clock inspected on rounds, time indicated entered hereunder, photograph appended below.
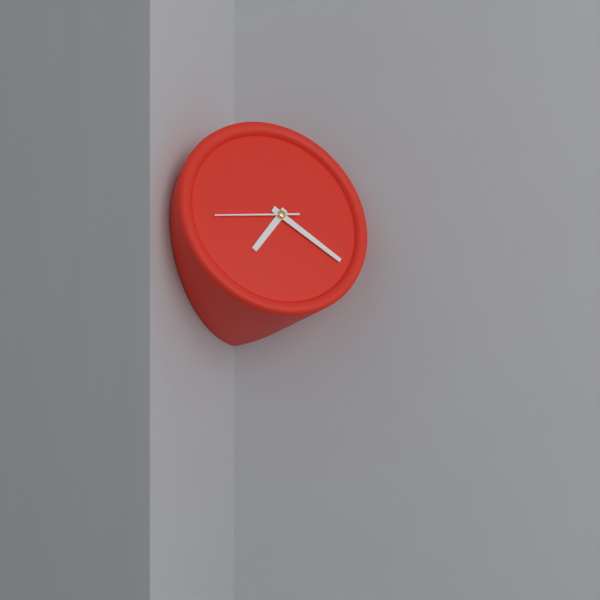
7:21:44
